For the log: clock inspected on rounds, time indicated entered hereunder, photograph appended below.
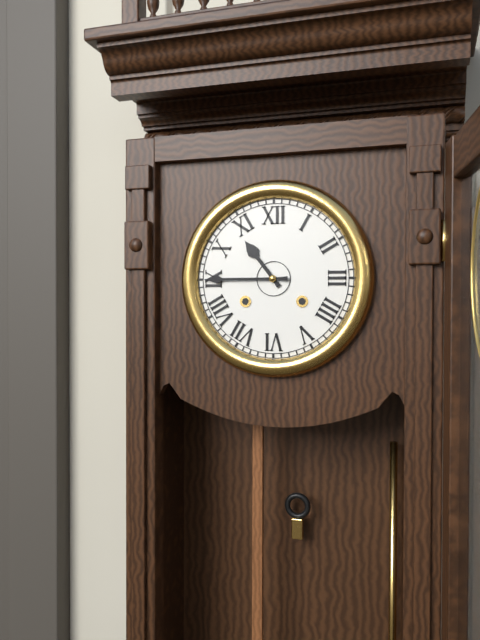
10:45
